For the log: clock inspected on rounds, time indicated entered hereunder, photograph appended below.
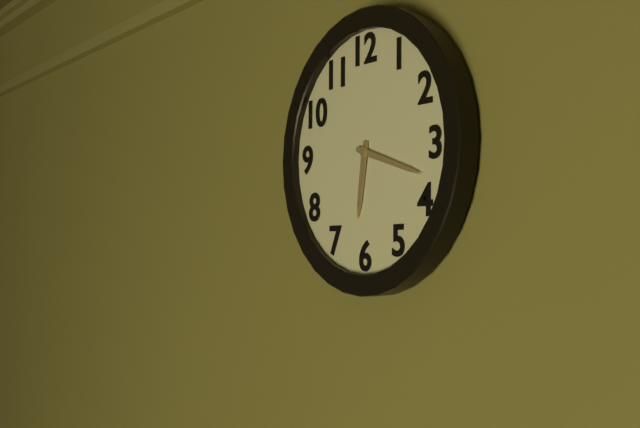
6:18
